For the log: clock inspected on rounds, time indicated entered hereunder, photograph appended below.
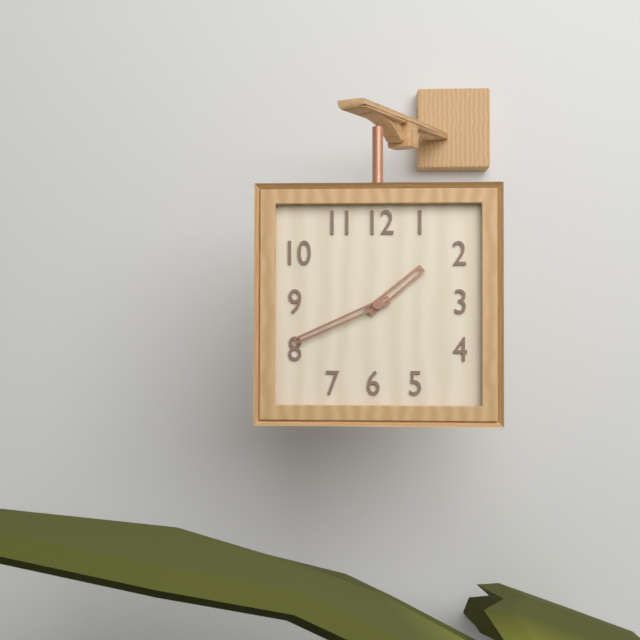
1:41
